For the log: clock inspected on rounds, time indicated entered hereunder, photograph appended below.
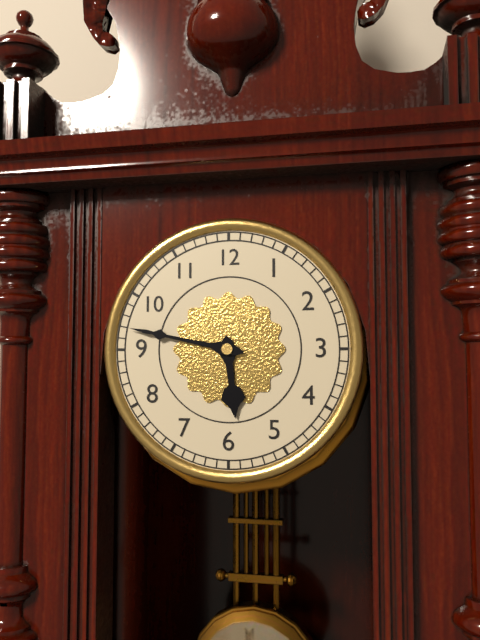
5:47
